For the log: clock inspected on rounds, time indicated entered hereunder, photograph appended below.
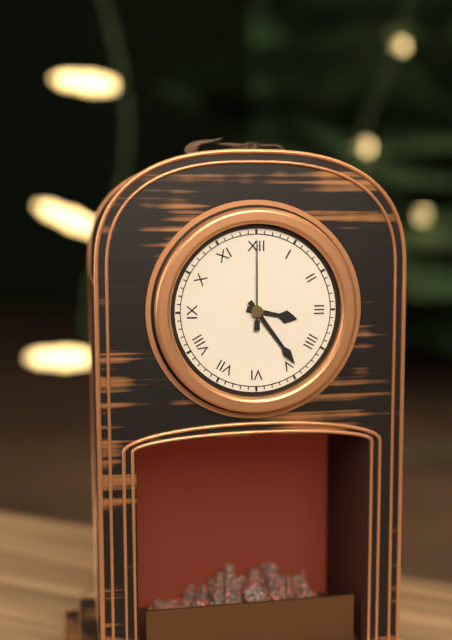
3:24:00
